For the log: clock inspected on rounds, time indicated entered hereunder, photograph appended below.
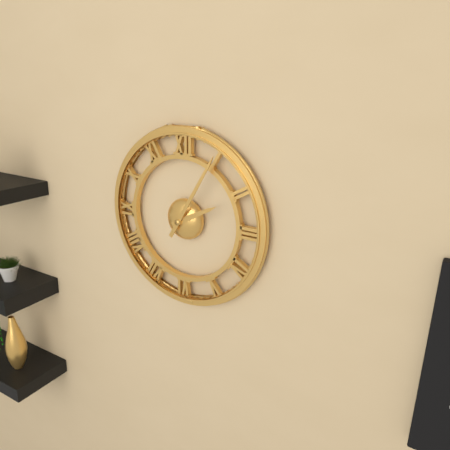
2:05
